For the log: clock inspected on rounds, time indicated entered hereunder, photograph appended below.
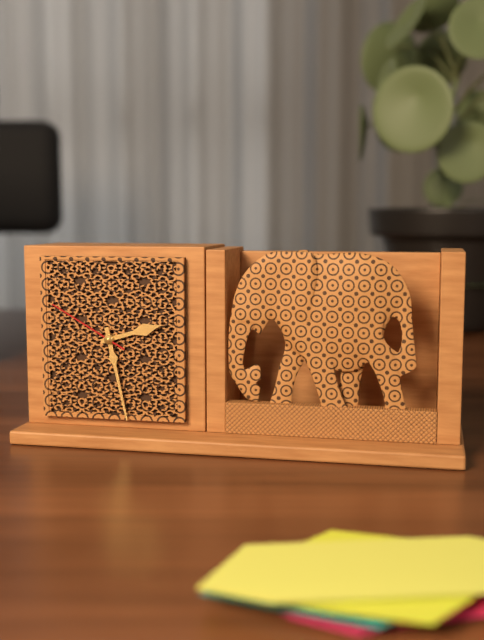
2:28:50
